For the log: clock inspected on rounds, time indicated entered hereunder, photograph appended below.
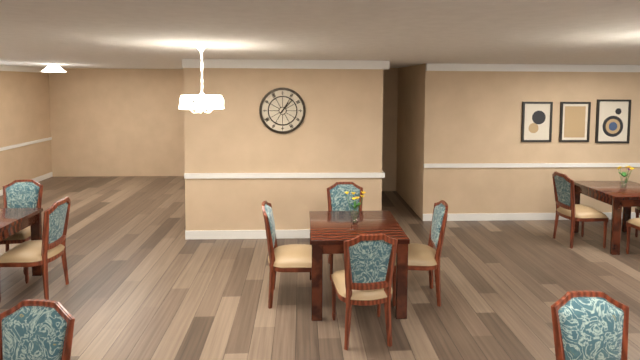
1:07
